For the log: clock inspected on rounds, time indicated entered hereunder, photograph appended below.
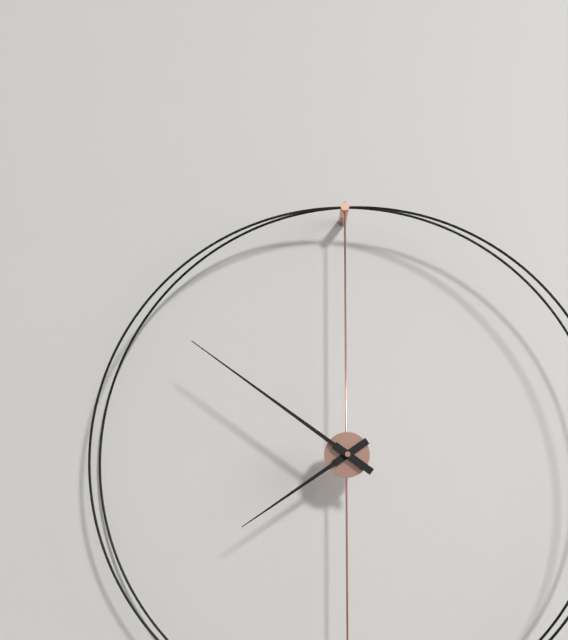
7:51
